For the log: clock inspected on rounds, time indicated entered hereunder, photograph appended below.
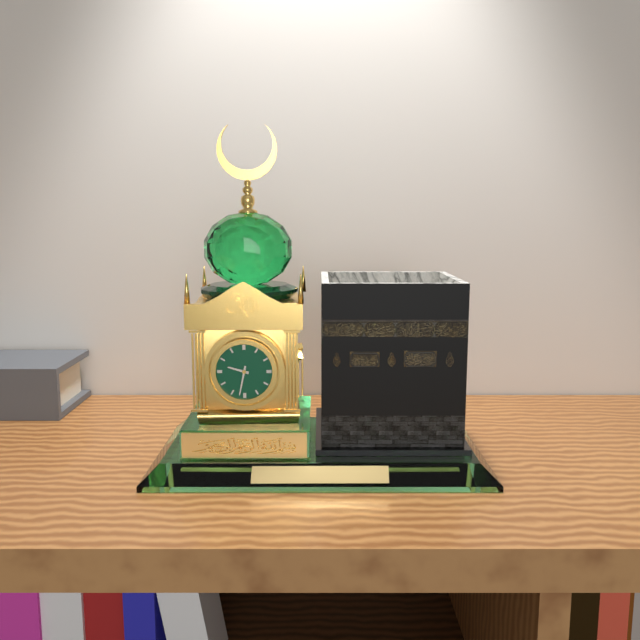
9:32
